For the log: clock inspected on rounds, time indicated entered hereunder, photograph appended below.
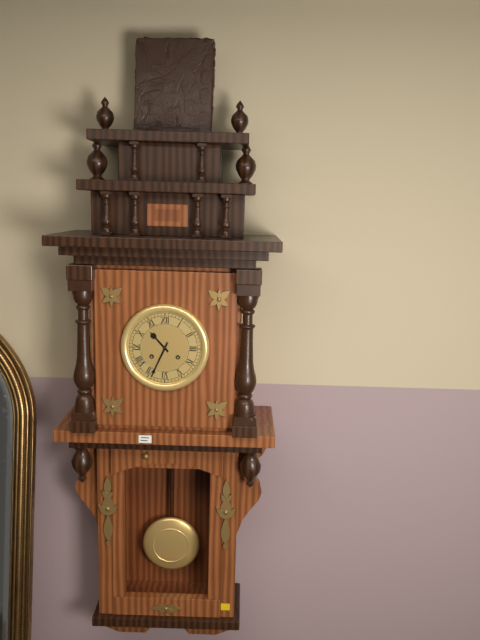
10:34
